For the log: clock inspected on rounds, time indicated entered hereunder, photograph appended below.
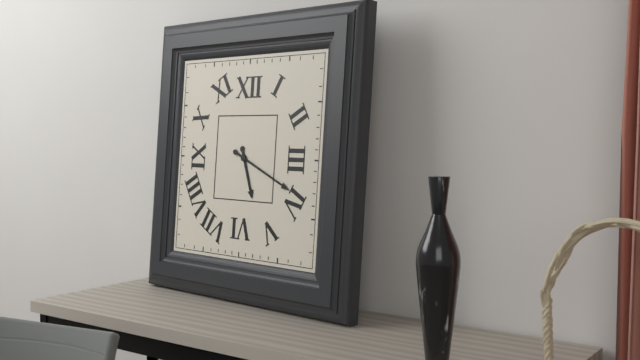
5:19
